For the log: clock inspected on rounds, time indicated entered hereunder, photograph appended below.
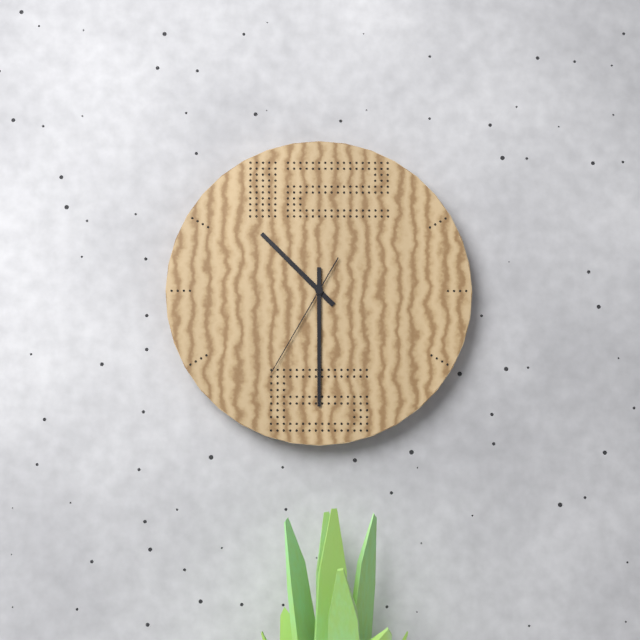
10:30:35
